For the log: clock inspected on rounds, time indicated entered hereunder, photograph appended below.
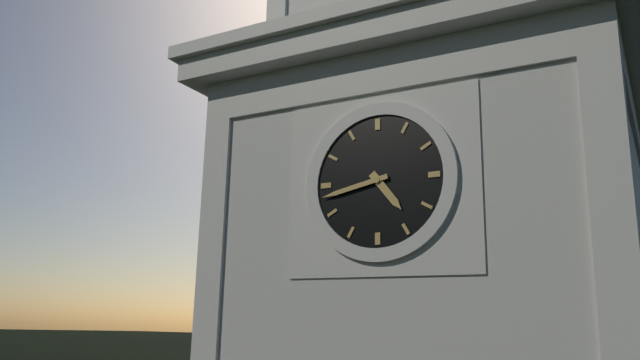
4:43
